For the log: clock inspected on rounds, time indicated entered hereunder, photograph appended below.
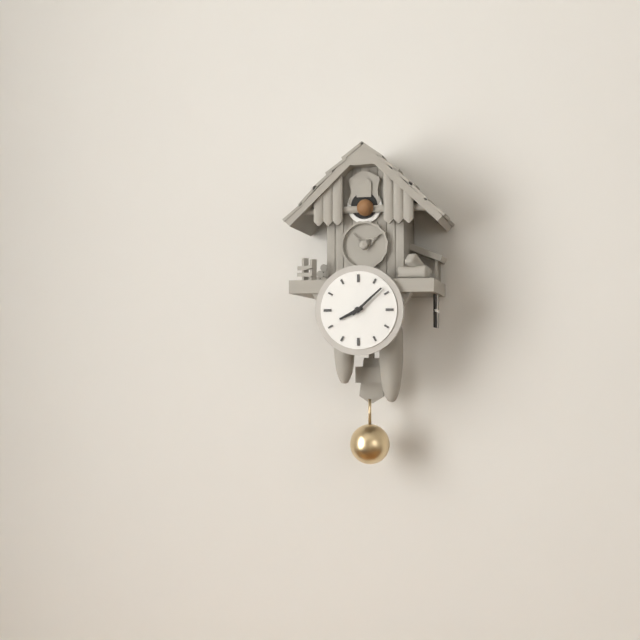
8:08
